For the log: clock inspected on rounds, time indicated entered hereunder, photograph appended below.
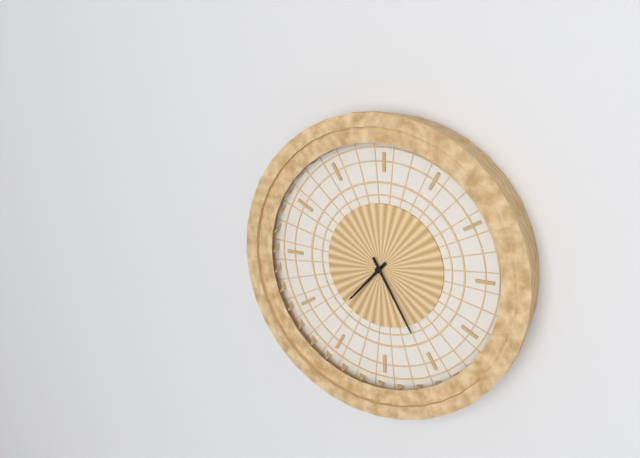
7:25
